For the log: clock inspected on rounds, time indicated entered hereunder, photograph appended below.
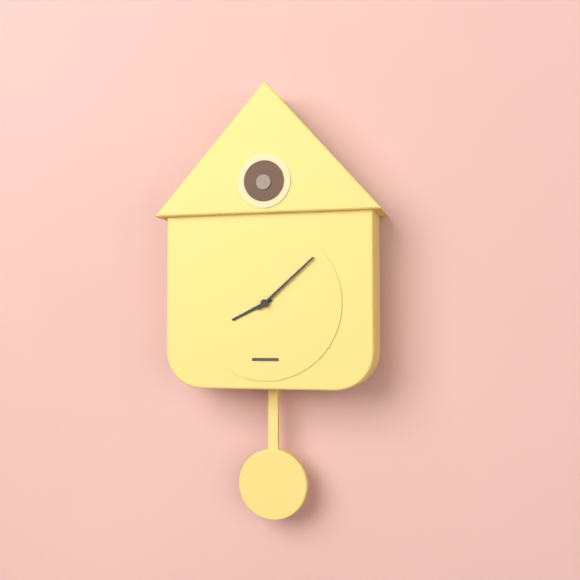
8:08
